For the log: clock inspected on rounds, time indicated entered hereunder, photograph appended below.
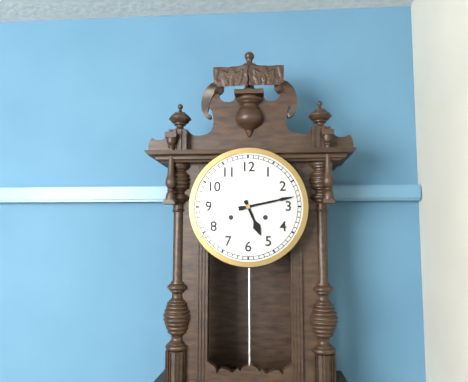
5:13
